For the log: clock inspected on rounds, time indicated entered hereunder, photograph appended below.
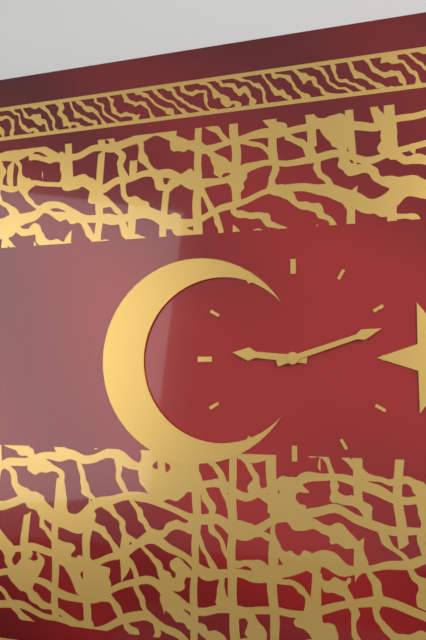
9:12
